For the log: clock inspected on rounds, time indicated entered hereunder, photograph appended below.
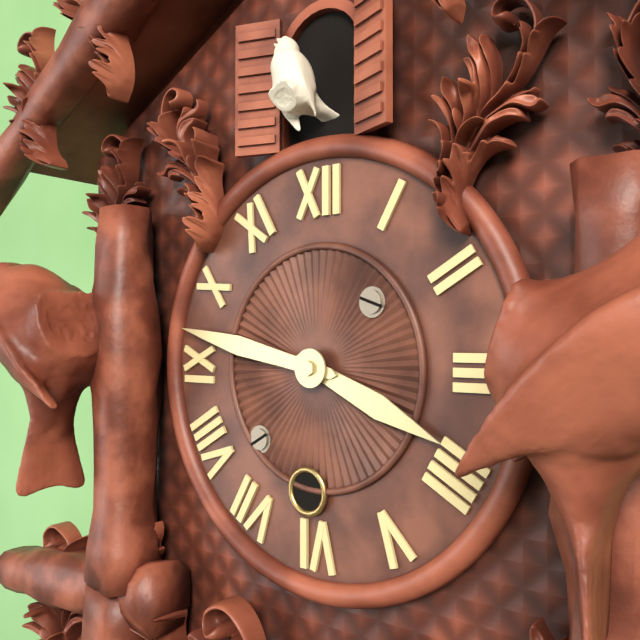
3:47
